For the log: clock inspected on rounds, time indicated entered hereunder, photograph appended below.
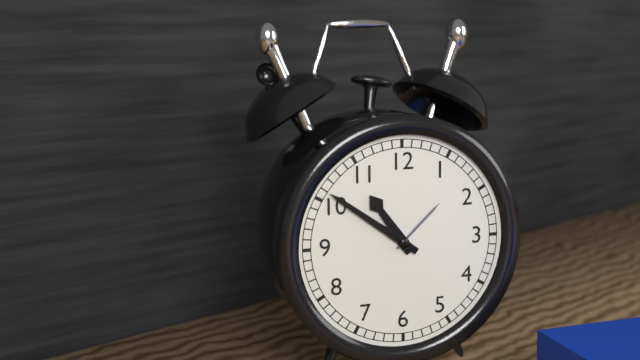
10:51
